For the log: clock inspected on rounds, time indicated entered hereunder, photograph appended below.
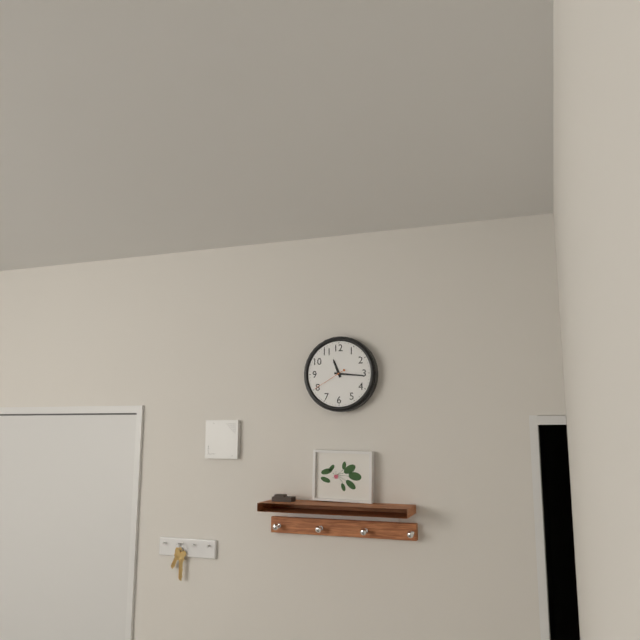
11:16
